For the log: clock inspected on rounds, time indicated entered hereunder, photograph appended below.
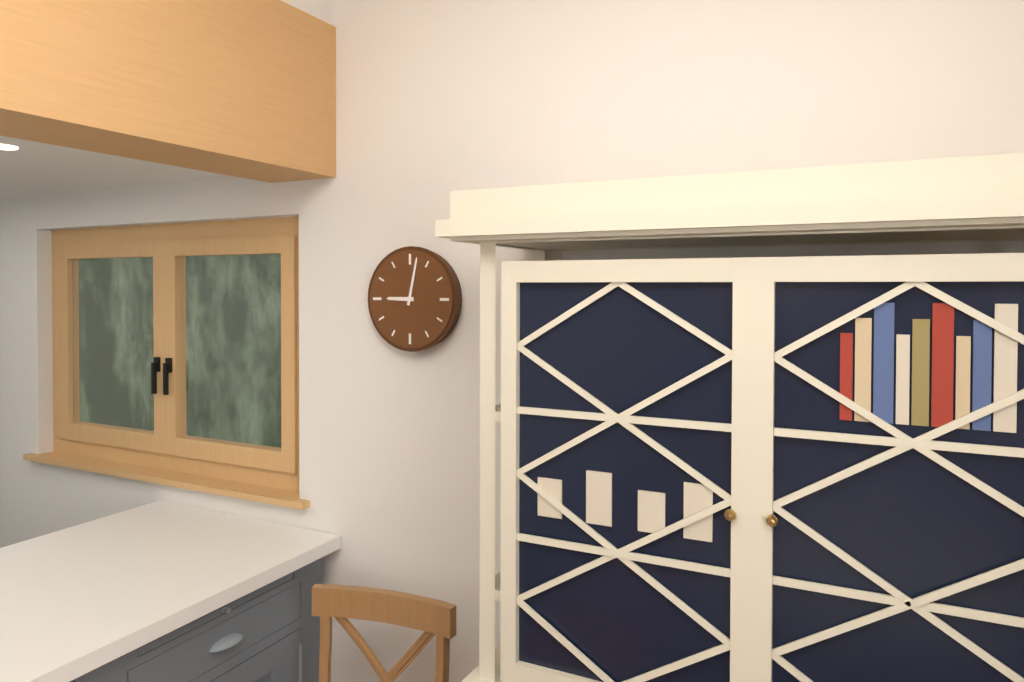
9:02
